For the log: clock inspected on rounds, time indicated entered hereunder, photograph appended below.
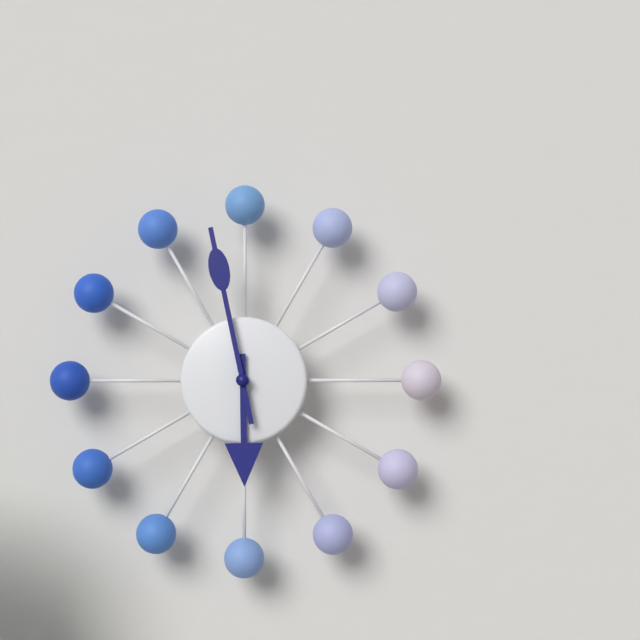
5:58
